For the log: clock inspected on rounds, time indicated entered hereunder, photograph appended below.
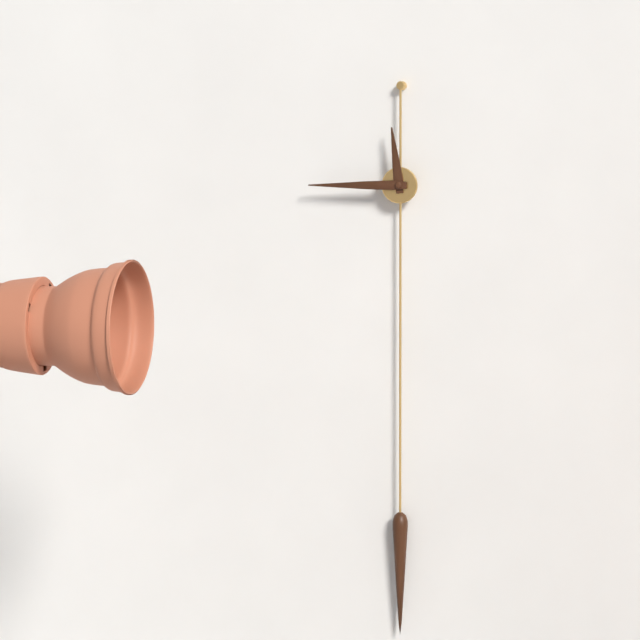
11:45
